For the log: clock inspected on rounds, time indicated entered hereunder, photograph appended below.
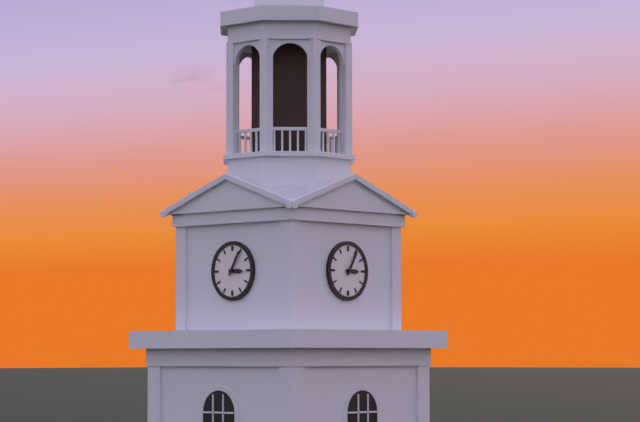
3:05
